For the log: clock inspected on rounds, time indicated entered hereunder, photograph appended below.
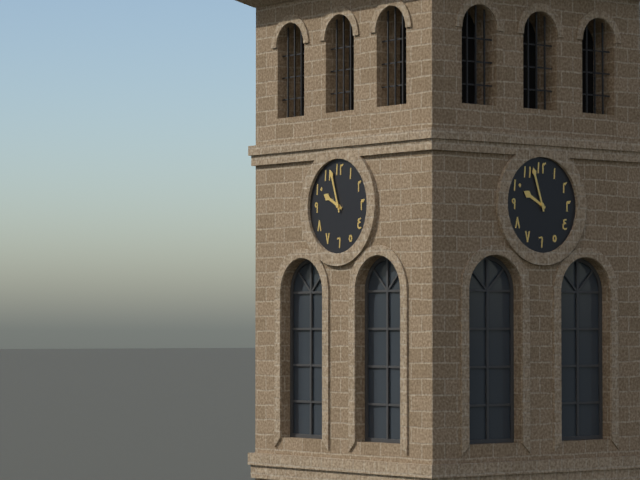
9:57
